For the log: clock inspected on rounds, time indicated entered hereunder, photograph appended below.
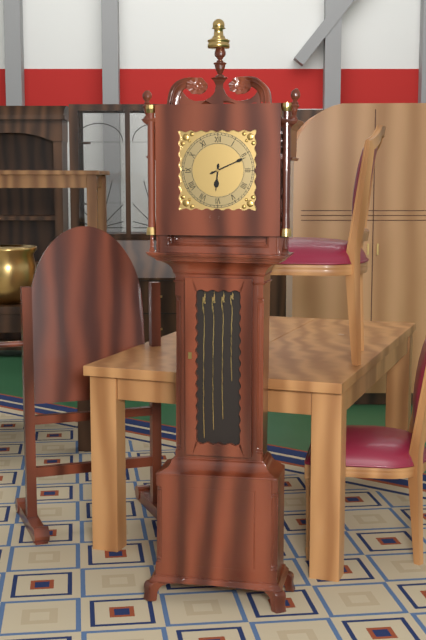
6:11
